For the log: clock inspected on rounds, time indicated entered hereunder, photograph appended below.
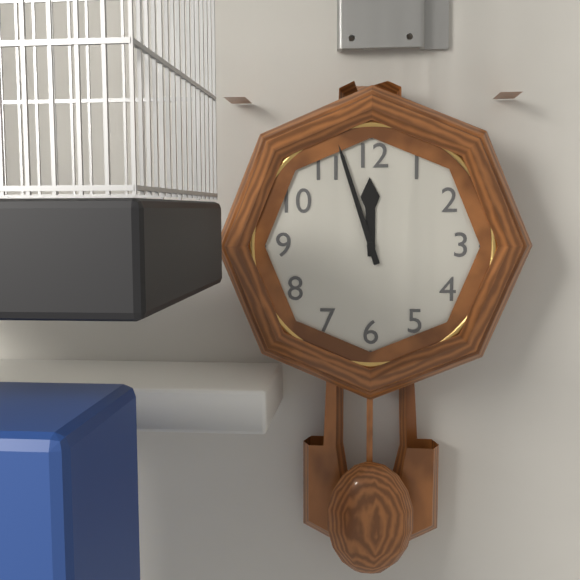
11:57
